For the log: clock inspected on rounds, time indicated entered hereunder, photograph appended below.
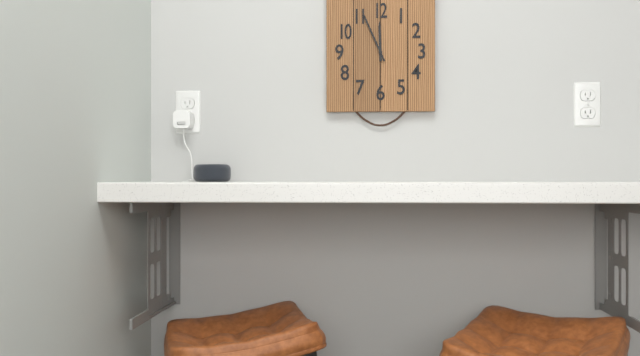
11:56
